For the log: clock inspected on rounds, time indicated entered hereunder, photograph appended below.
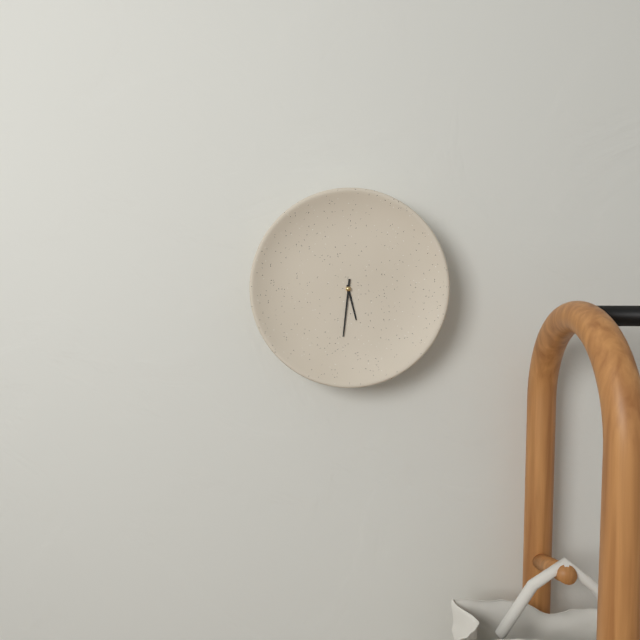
5:31
